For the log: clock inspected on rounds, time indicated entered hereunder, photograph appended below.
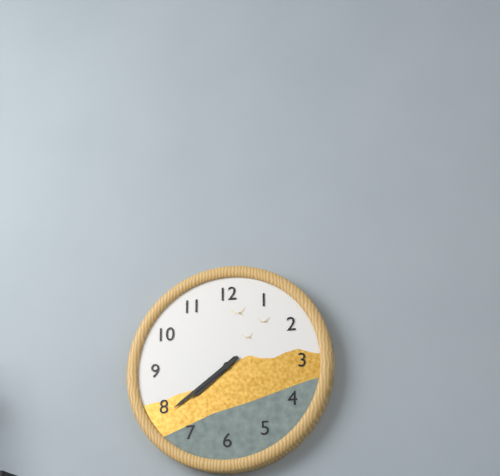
7:39
